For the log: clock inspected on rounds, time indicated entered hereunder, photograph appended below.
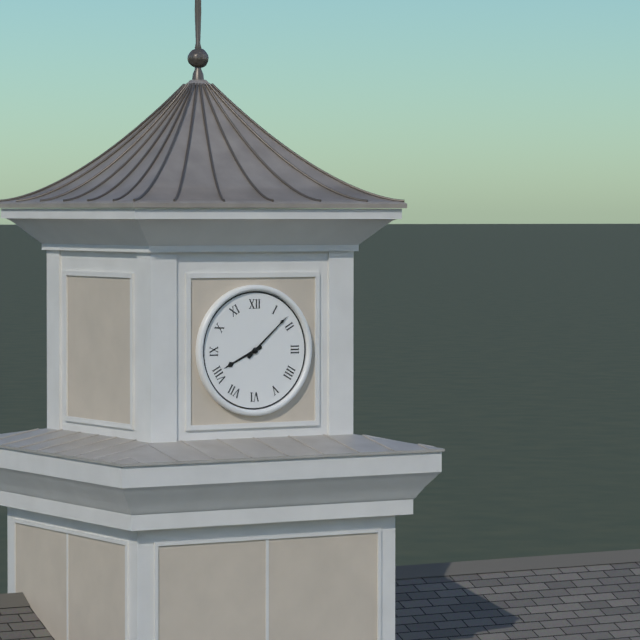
8:08
